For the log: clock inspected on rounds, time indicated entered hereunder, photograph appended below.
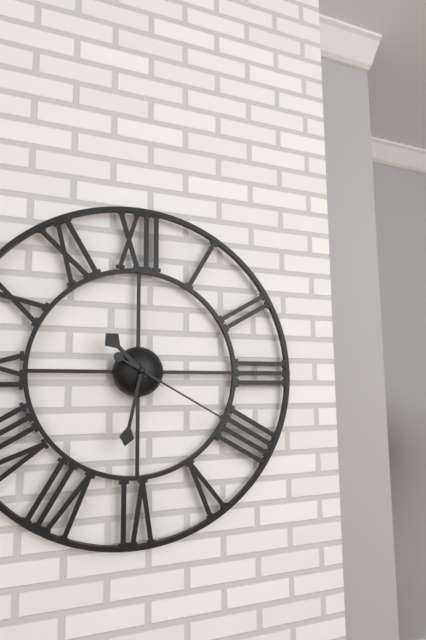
10:32:20
